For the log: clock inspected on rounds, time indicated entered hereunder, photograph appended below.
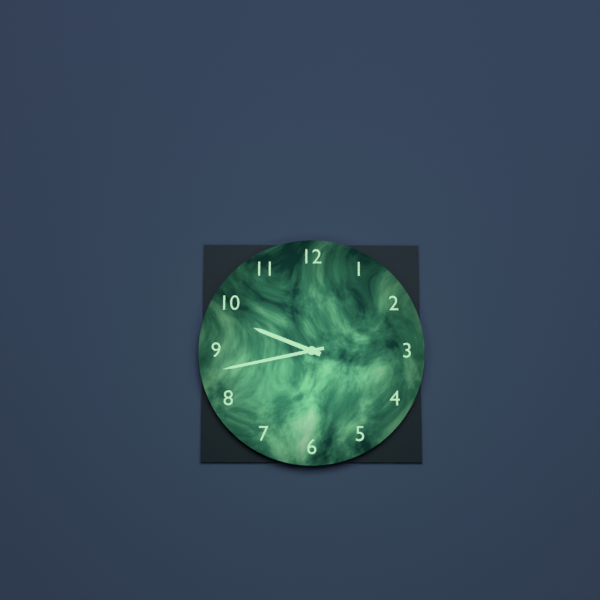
9:43
